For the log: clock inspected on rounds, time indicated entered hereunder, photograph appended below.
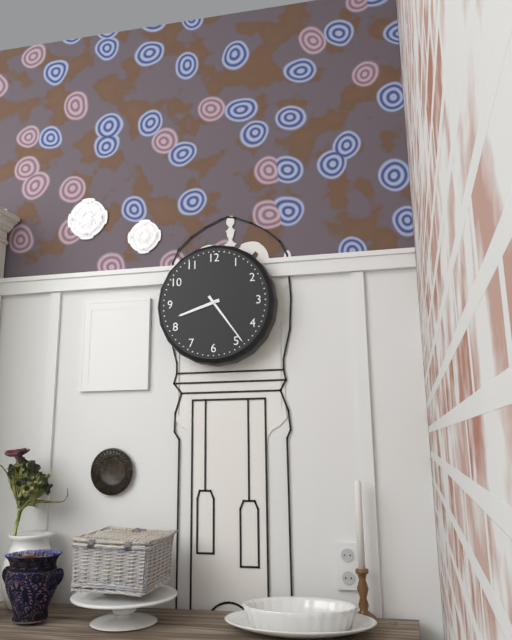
8:24
